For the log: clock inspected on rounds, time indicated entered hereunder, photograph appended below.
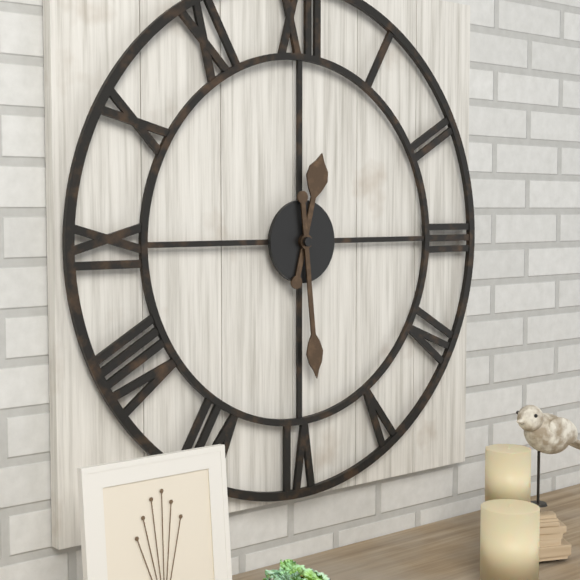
12:29
